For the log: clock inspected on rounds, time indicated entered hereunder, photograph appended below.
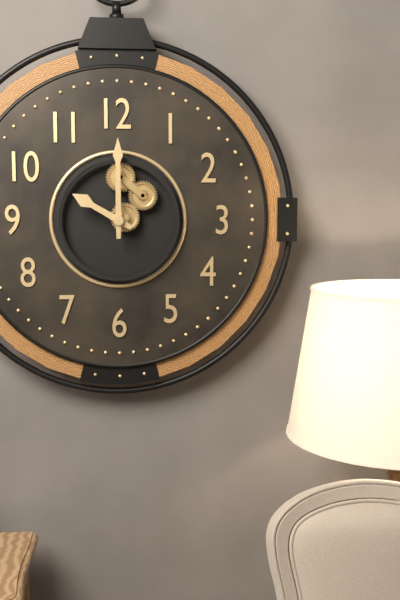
10:00
